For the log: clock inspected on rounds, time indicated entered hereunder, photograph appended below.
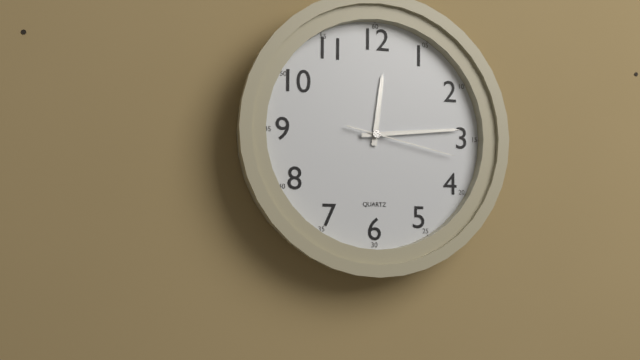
12:14:17
